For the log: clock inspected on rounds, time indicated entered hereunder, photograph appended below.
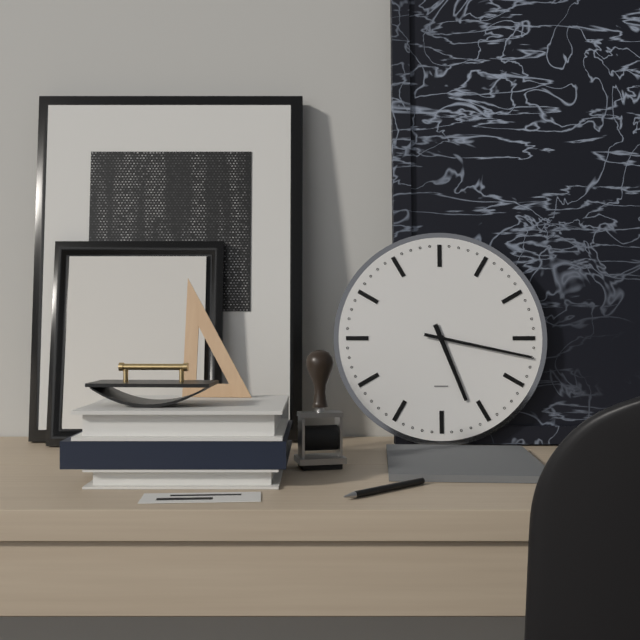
5:17
